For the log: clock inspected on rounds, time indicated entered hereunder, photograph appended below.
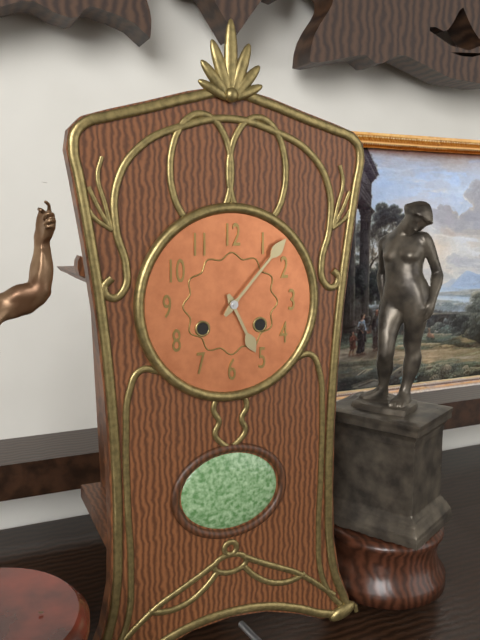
5:07
